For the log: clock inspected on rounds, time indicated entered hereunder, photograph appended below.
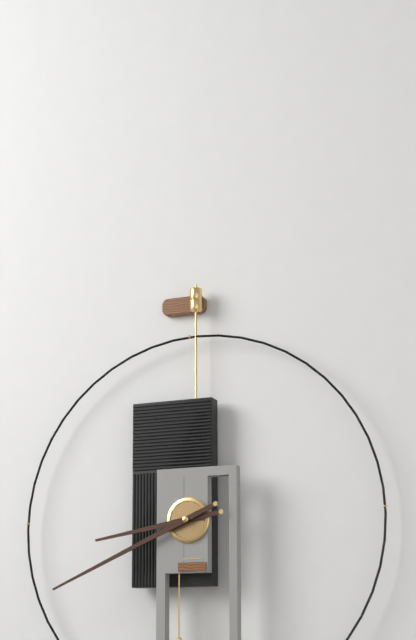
8:41
